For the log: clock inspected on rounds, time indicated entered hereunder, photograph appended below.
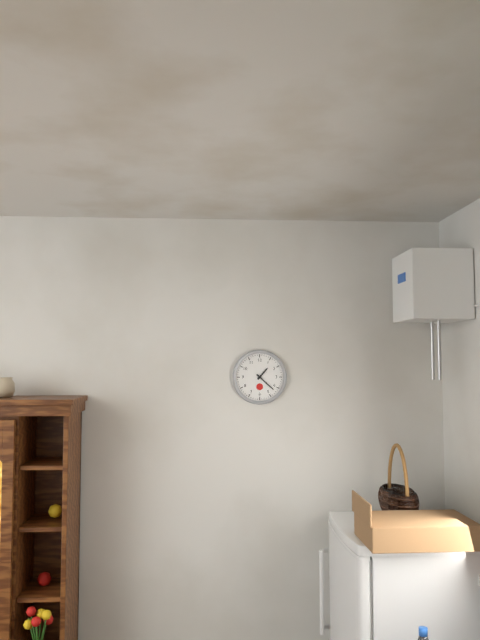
1:22
